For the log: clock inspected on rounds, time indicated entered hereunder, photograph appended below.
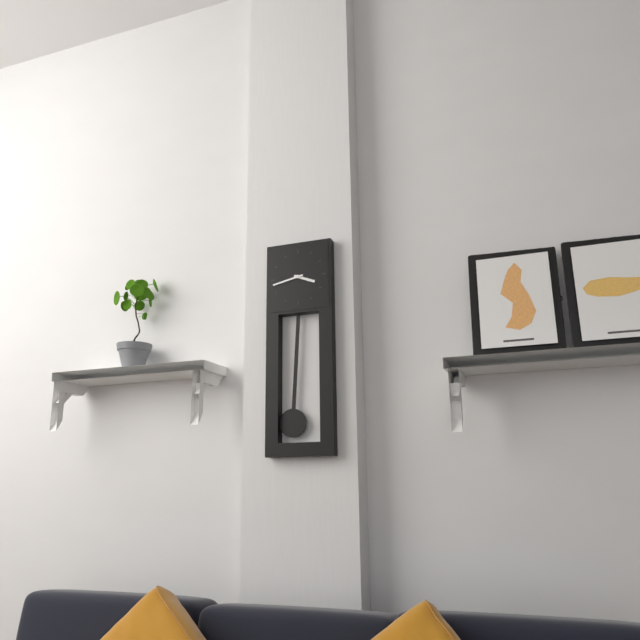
3:43
